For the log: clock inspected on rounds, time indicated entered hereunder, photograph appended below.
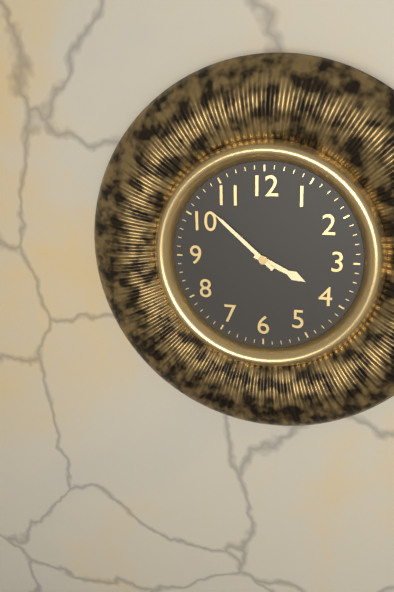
3:52
